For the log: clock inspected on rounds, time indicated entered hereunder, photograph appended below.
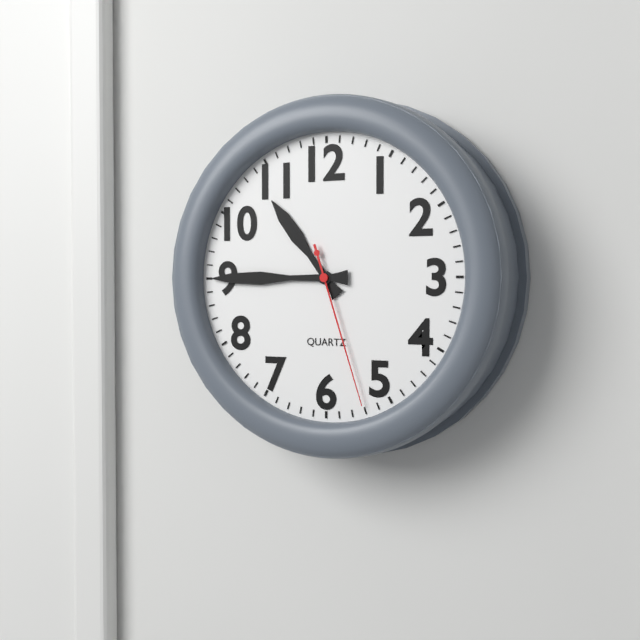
10:45:27
